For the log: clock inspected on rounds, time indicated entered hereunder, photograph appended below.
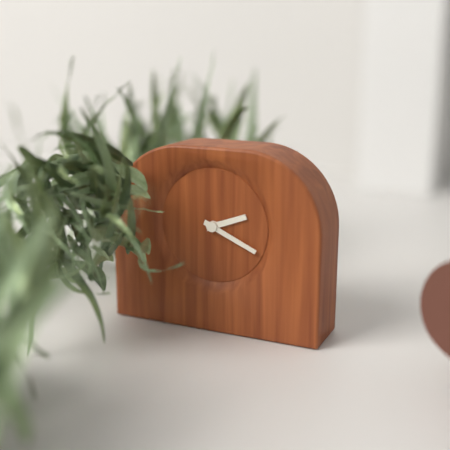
2:19
